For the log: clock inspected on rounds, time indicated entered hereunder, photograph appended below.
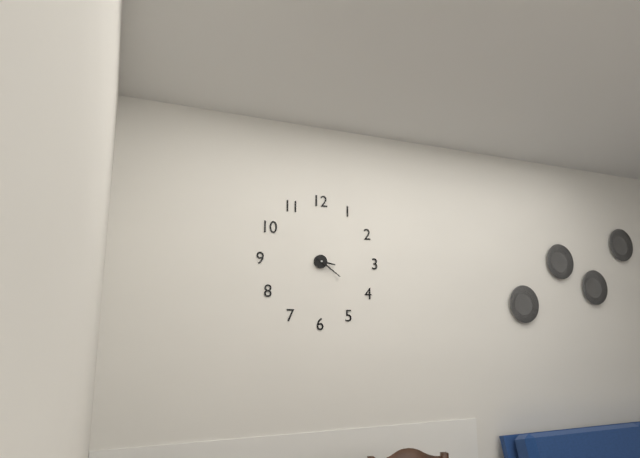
3:21
